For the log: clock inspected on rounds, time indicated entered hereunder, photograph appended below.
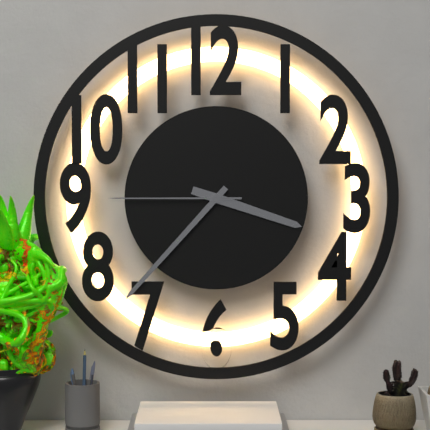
3:37:45
